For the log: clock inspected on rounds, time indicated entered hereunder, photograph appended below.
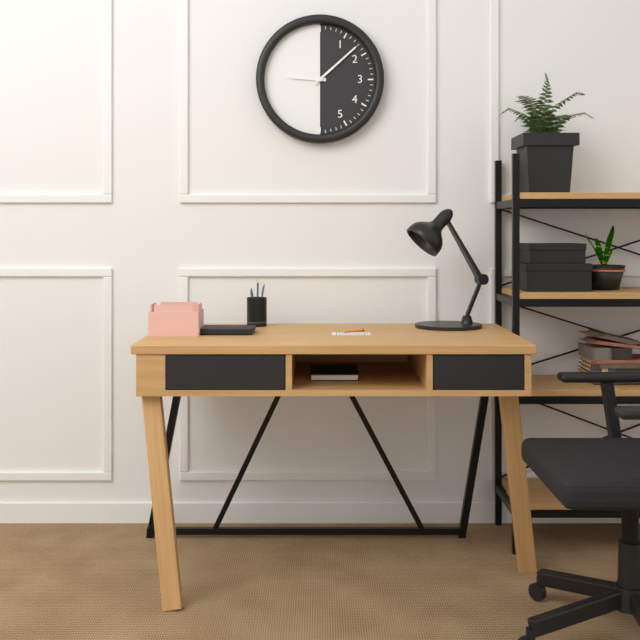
9:08
